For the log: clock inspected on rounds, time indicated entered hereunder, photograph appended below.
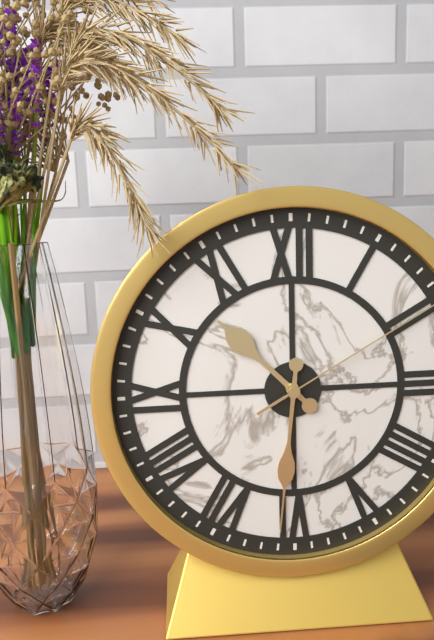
10:31
